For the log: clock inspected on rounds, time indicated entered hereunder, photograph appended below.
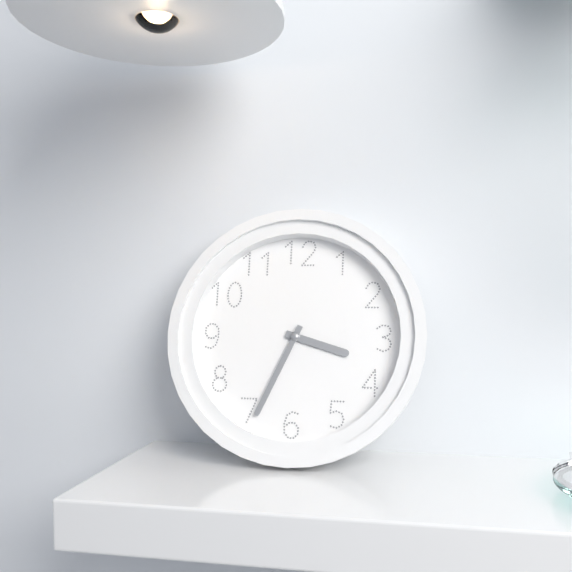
3:34
